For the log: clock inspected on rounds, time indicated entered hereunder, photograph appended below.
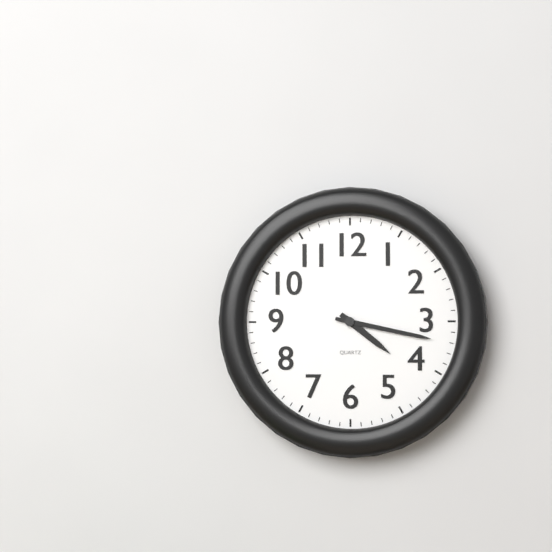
4:17
